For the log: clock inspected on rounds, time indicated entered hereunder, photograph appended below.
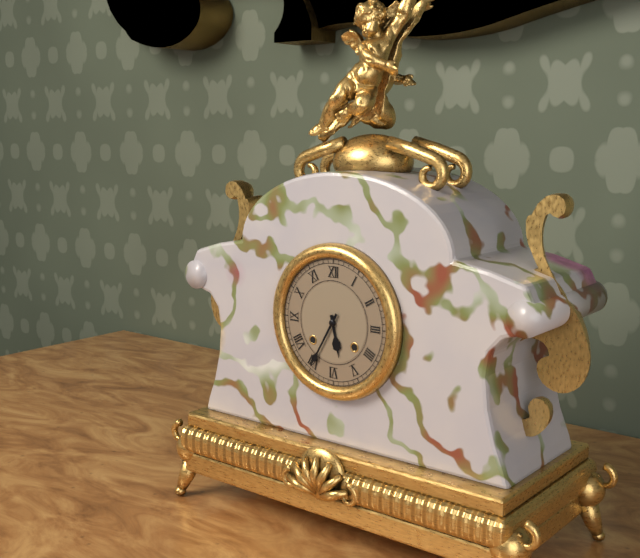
5:35
